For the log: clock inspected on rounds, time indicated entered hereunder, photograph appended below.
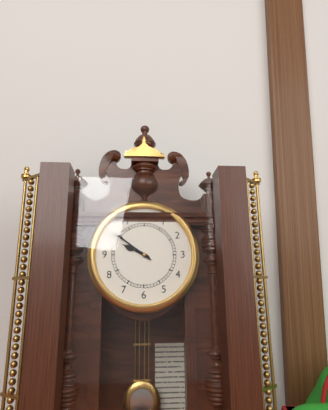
9:51
